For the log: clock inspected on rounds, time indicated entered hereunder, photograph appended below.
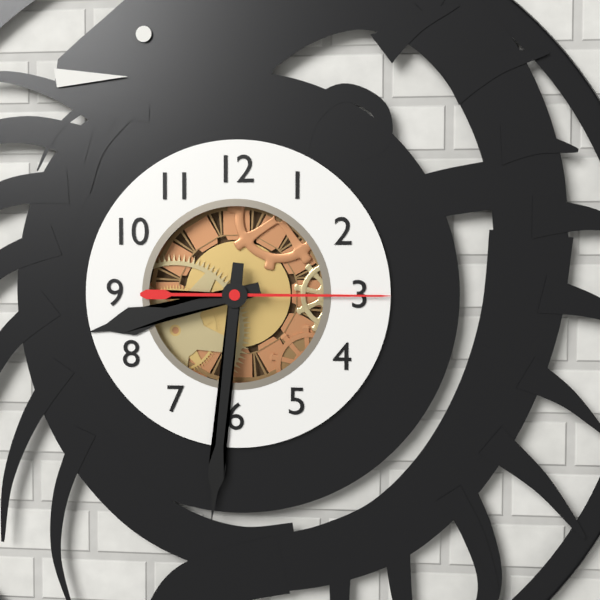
8:31:15
